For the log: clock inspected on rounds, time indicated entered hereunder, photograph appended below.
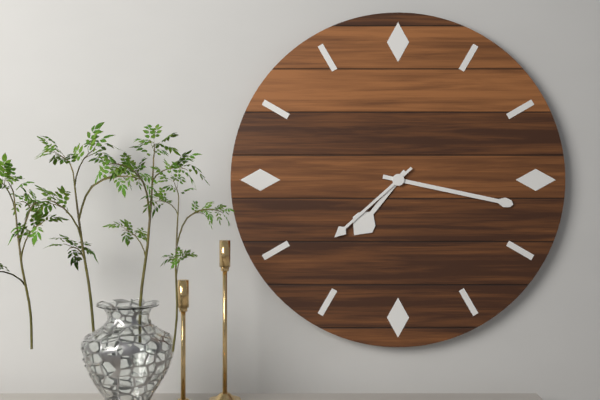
7:17:38
